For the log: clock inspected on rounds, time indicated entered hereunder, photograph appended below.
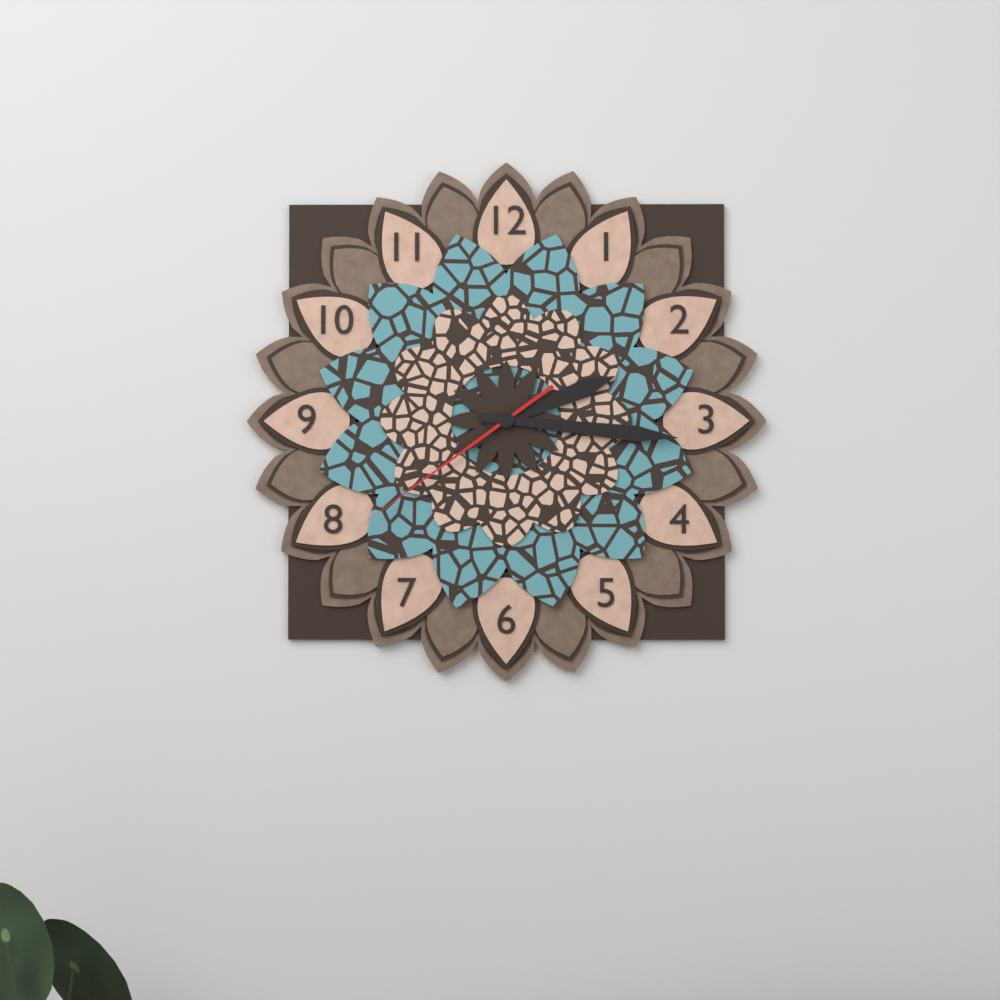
2:16:39
